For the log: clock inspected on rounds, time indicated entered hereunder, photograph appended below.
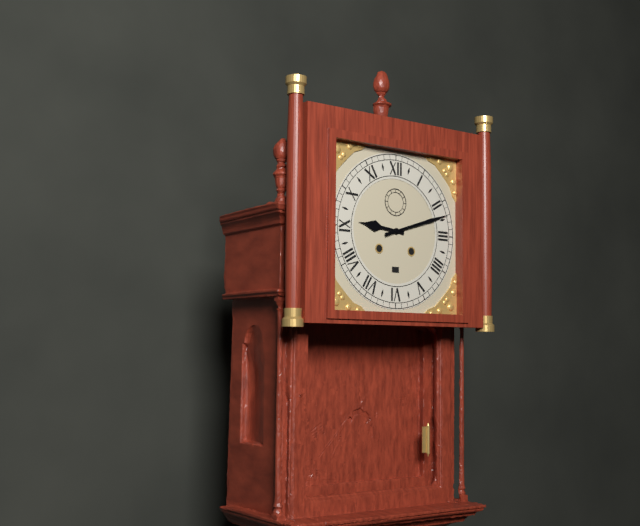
9:12
